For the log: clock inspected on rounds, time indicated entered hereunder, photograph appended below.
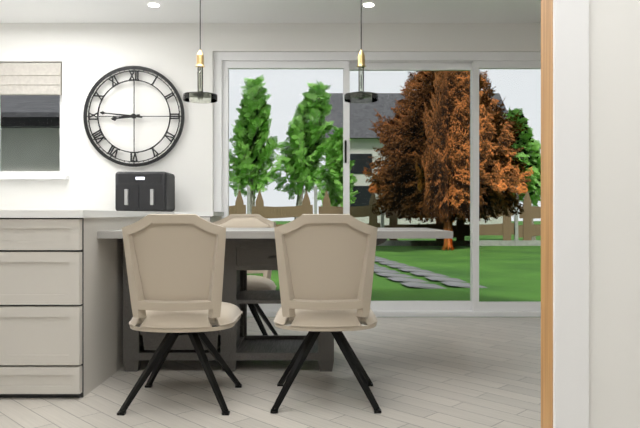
8:46
